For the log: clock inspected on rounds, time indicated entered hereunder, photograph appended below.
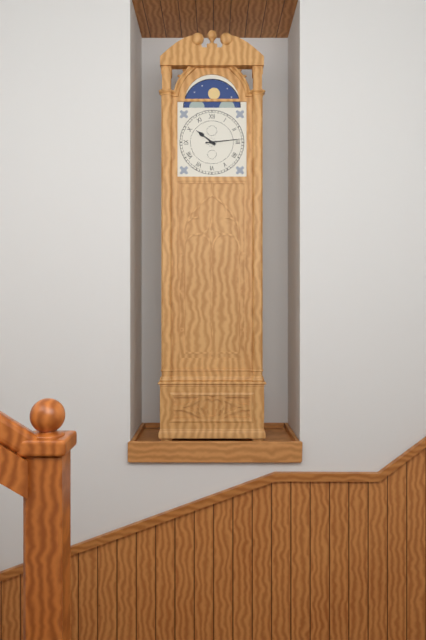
10:14
